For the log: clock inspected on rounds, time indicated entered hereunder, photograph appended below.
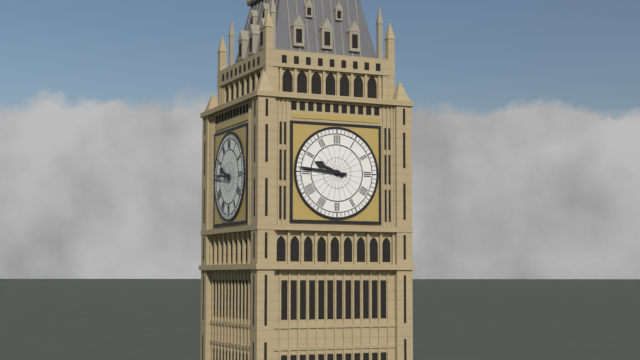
9:46
